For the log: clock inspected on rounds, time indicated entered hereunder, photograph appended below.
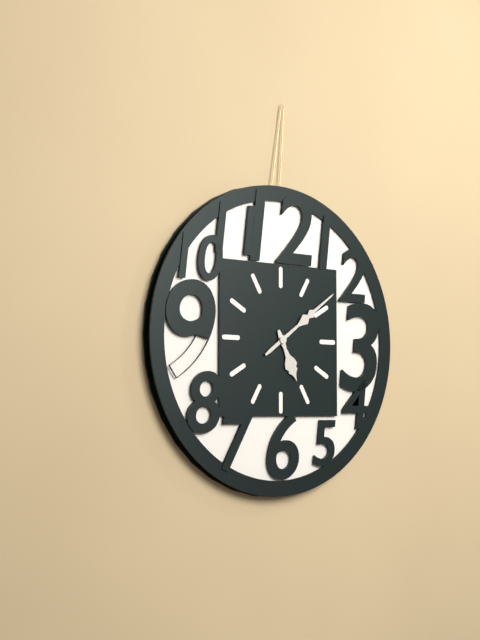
5:09
